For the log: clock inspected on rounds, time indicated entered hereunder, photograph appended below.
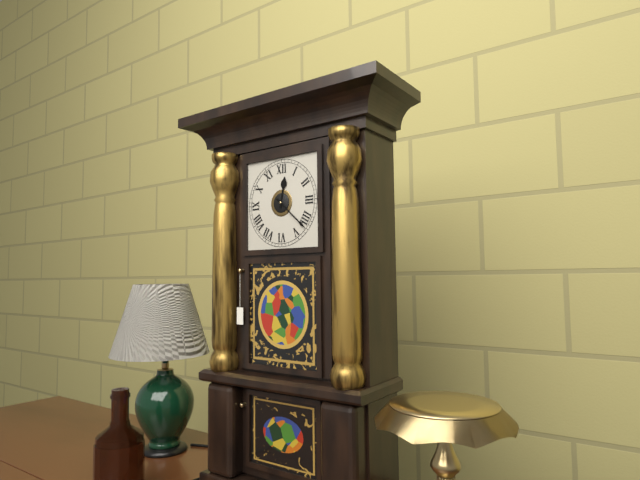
12:22
